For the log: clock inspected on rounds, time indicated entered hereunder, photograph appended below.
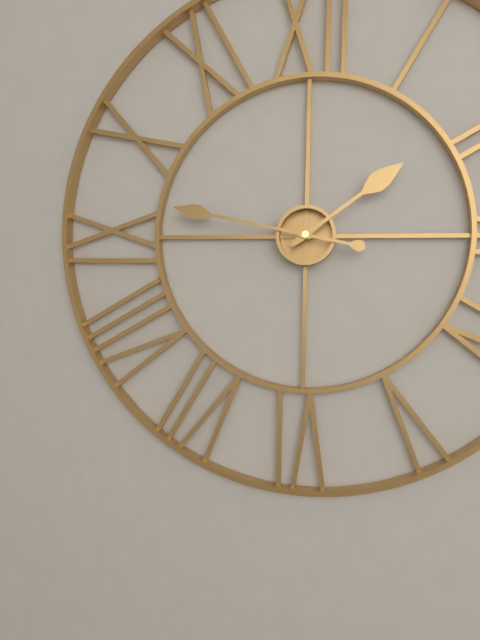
1:47
